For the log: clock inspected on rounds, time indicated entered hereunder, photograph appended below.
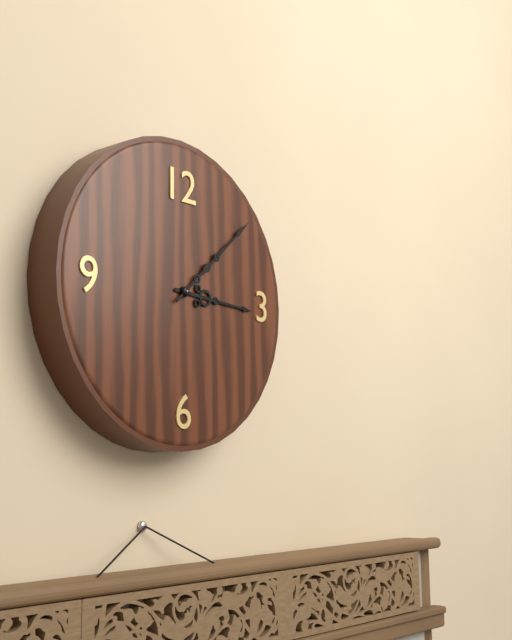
3:08
